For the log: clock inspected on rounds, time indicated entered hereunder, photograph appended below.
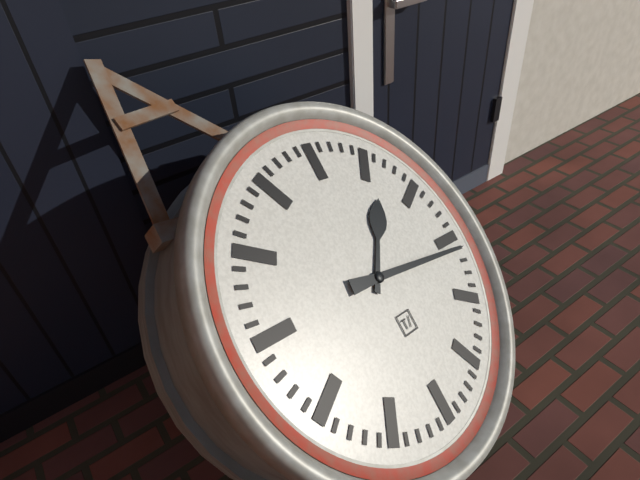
1:16
